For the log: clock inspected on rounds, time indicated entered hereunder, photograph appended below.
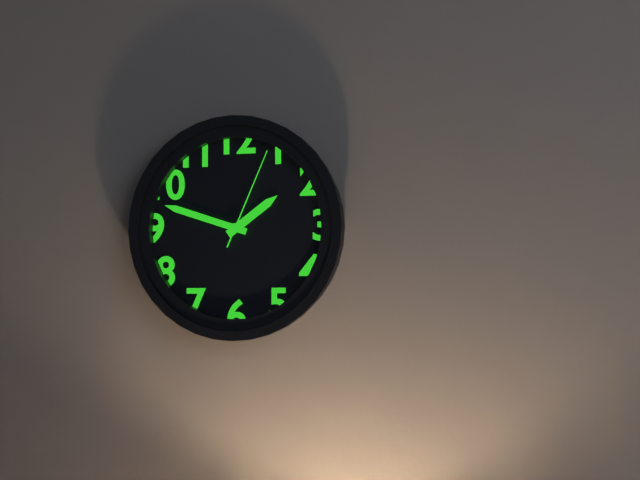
1:48:04
